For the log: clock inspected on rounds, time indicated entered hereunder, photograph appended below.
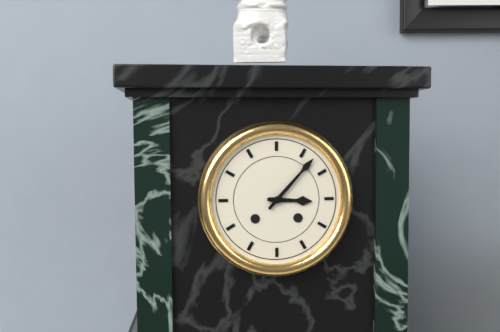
3:07
